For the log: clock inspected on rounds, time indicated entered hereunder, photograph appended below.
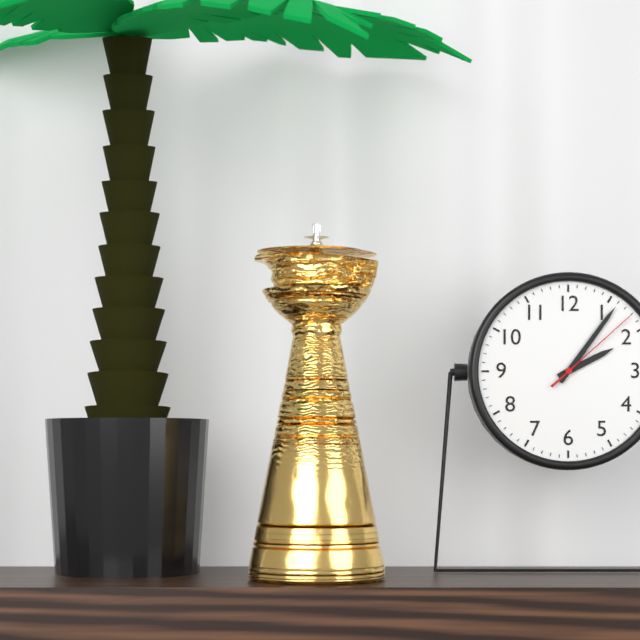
2:06:08
